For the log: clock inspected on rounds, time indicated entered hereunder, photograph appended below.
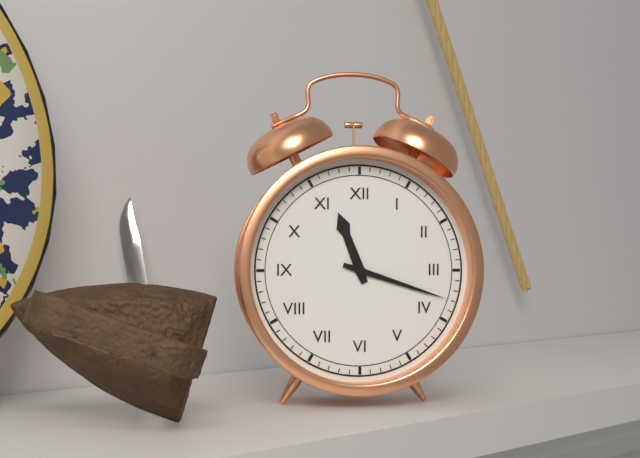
11:18
